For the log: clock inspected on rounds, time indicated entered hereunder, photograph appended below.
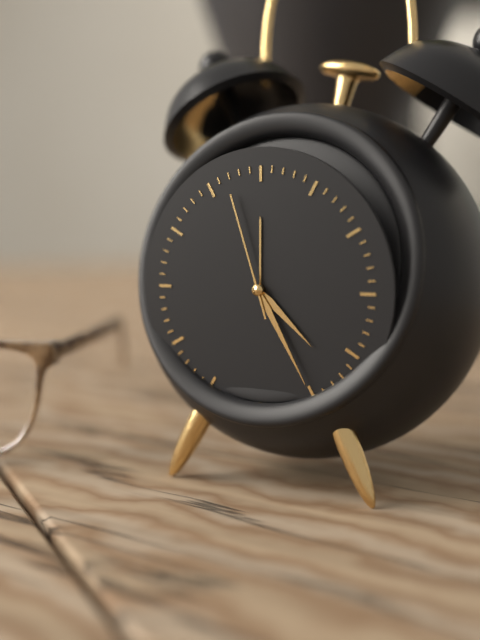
4:25:57
